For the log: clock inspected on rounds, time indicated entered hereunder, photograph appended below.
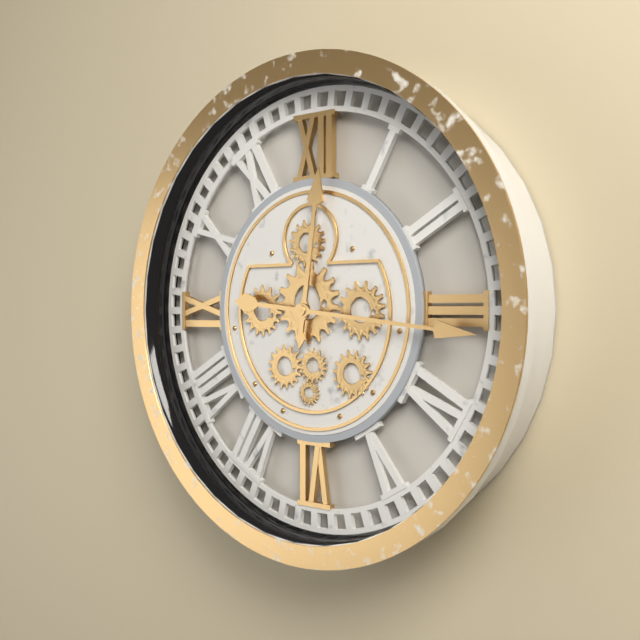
12:16
